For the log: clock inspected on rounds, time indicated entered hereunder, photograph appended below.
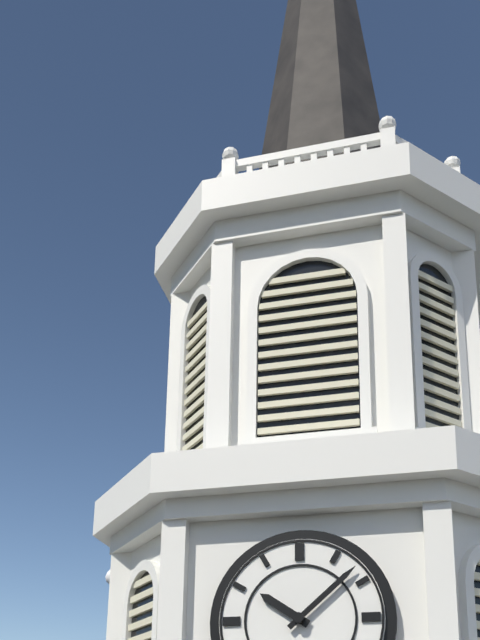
10:08
